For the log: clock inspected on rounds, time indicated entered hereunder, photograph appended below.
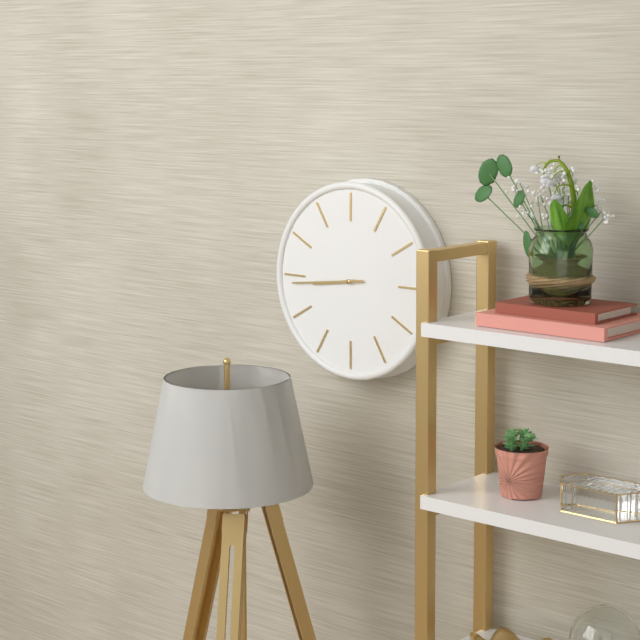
8:44
